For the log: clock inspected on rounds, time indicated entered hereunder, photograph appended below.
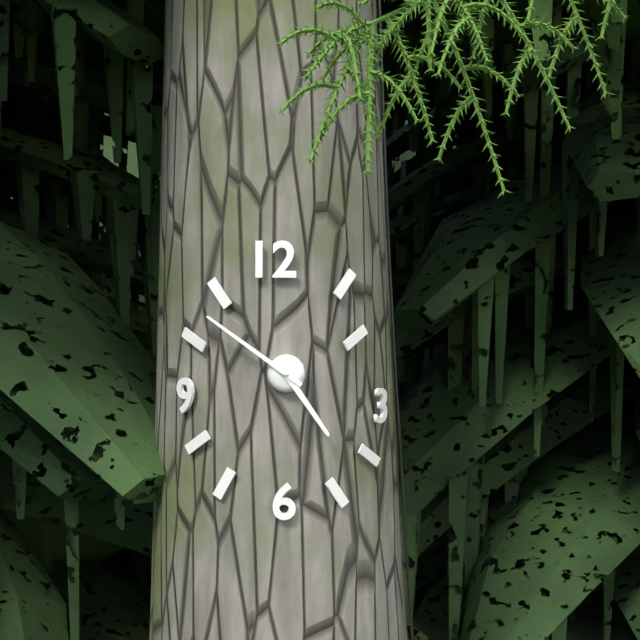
4:51
